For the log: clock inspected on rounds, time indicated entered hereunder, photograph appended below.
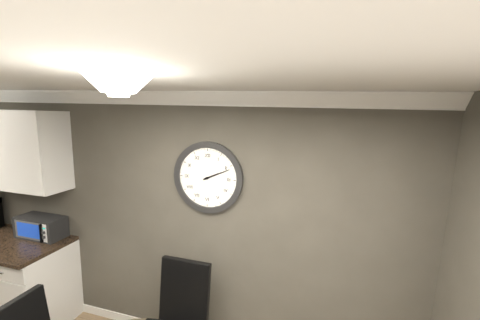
2:11
